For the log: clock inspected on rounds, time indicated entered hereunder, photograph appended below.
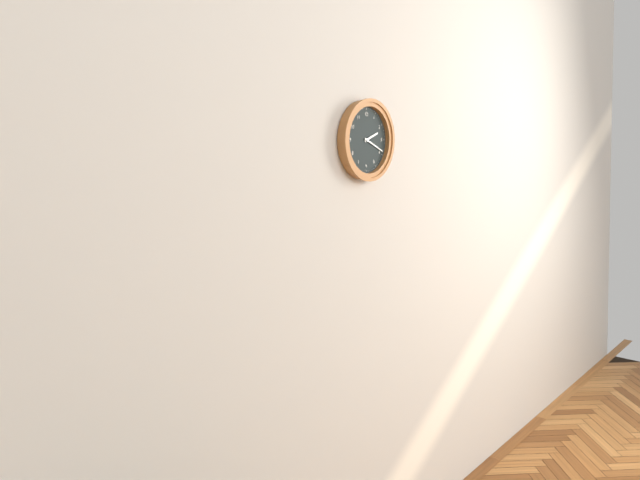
2:19
